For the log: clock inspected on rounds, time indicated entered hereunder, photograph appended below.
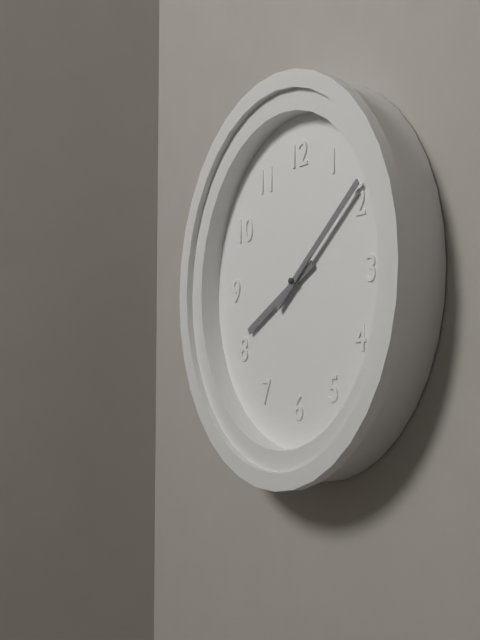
8:09
